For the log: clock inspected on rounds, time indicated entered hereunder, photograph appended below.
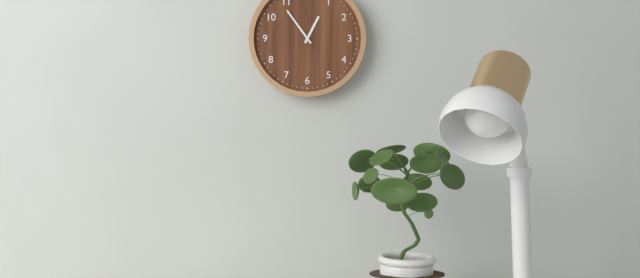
12:54
